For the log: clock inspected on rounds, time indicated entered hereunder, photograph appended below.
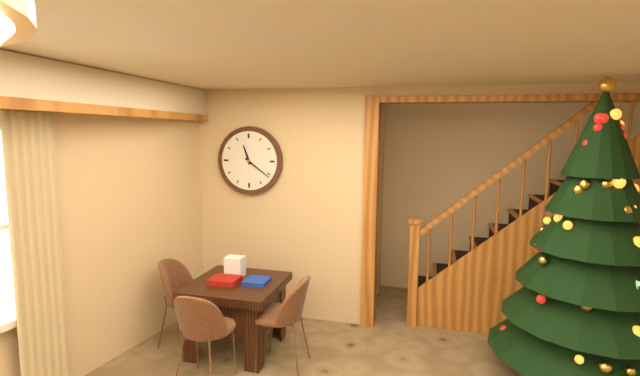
11:21
